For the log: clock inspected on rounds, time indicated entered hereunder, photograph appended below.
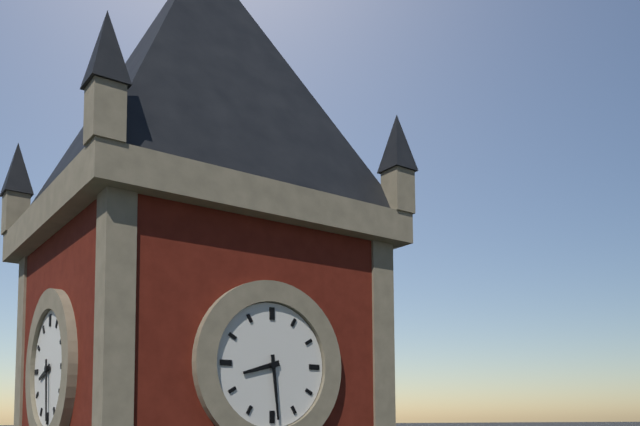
8:29
